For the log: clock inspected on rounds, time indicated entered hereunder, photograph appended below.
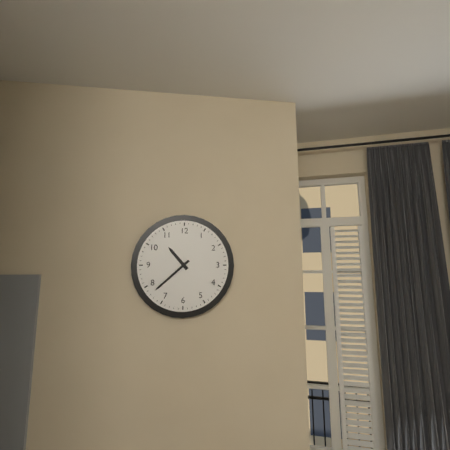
10:38
